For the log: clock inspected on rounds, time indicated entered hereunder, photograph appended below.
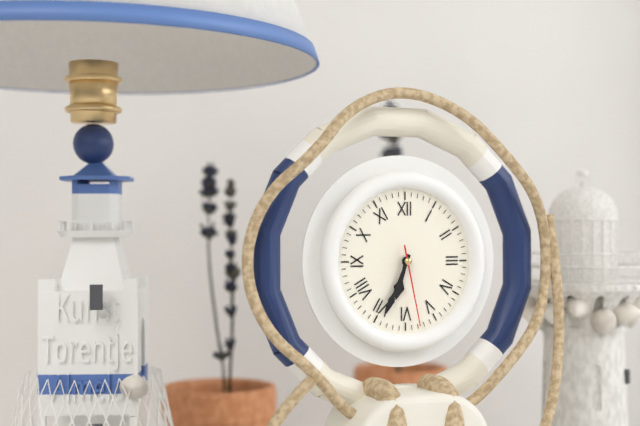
6:34:28
